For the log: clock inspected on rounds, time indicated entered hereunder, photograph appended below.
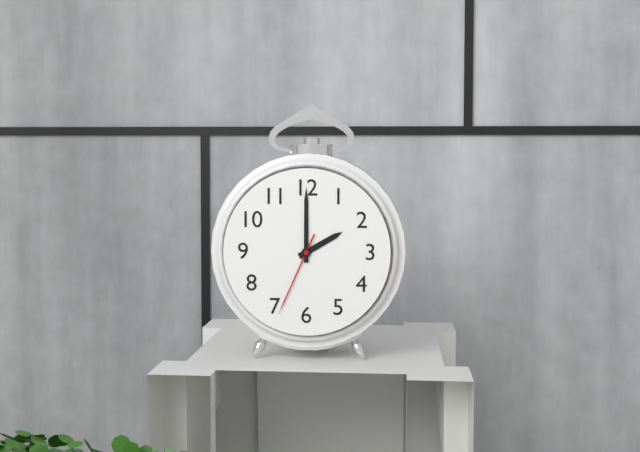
2:00:34
